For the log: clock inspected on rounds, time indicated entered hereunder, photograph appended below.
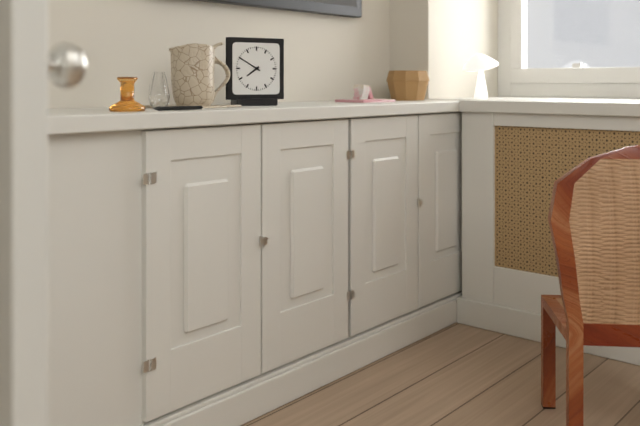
7:50
